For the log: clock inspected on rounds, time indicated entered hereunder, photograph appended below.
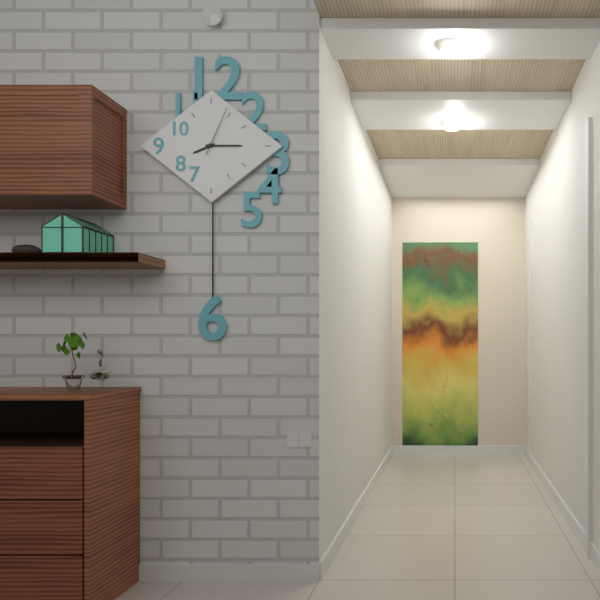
8:15:04
